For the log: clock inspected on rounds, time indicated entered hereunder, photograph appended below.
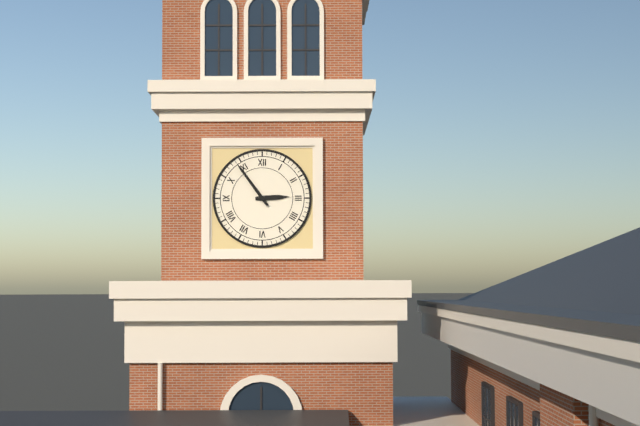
2:54
